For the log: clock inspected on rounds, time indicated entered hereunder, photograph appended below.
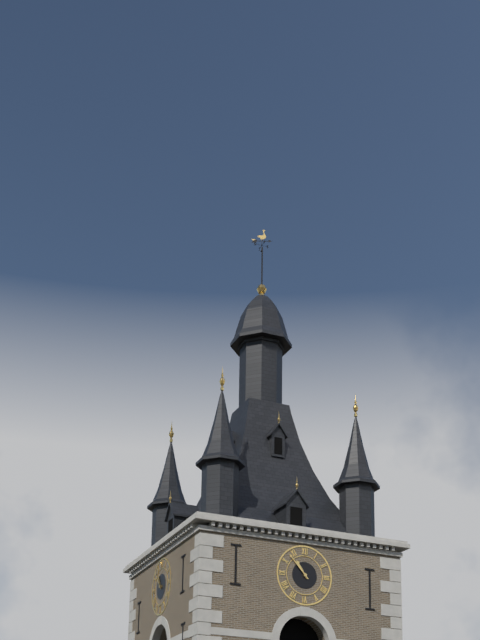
10:53
